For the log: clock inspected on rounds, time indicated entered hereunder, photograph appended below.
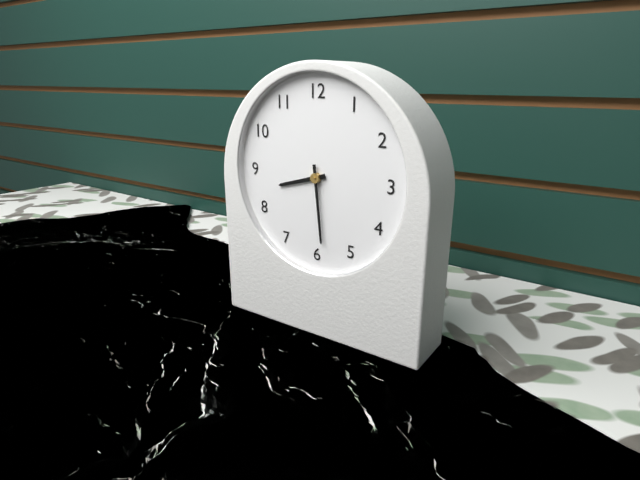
8:29
